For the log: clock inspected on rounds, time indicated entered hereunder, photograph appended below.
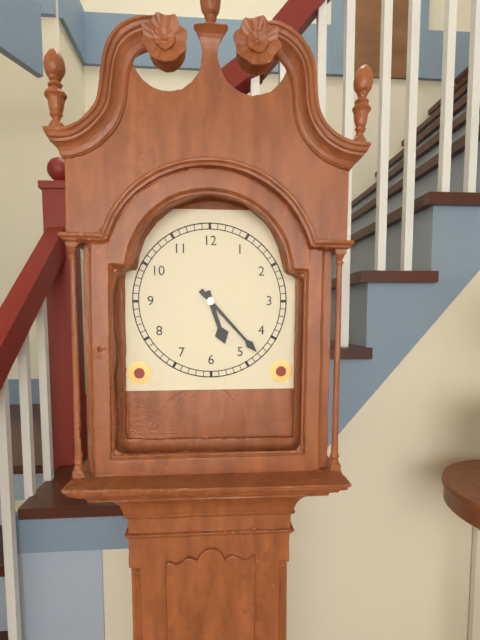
5:23
